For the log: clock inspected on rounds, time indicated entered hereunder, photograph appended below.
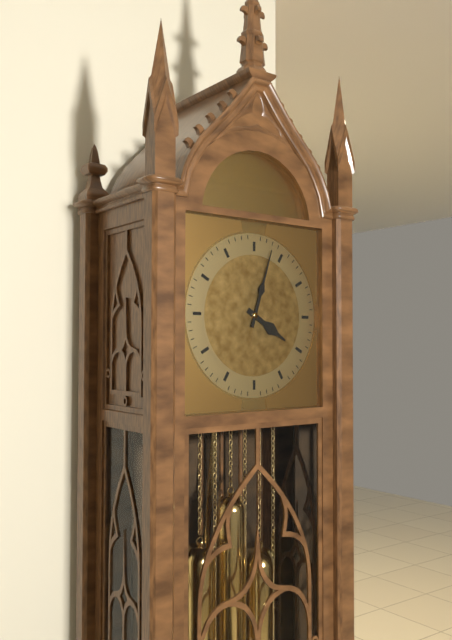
4:03
